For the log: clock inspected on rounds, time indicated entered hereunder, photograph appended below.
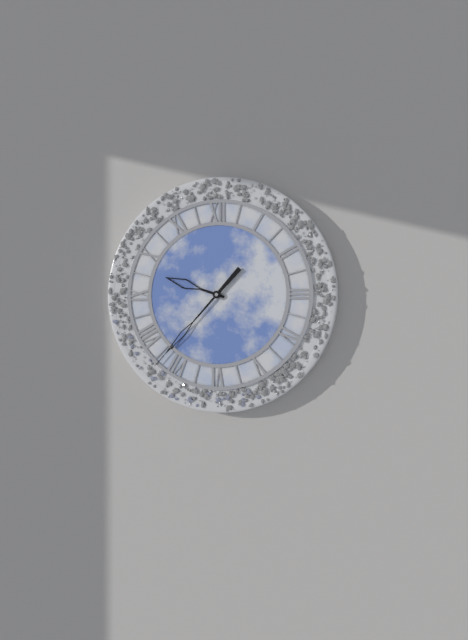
9:37
